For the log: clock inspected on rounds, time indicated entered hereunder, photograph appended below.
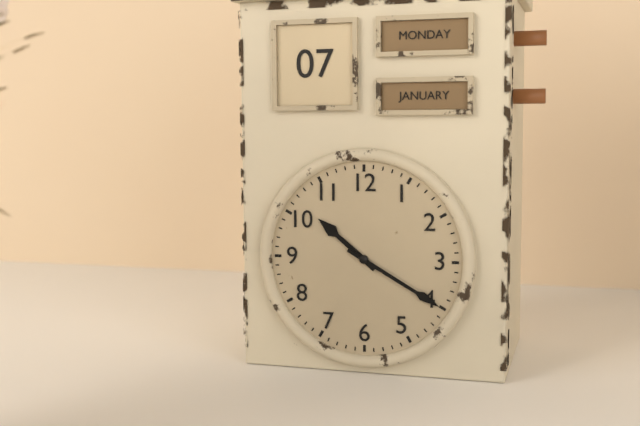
10:20
